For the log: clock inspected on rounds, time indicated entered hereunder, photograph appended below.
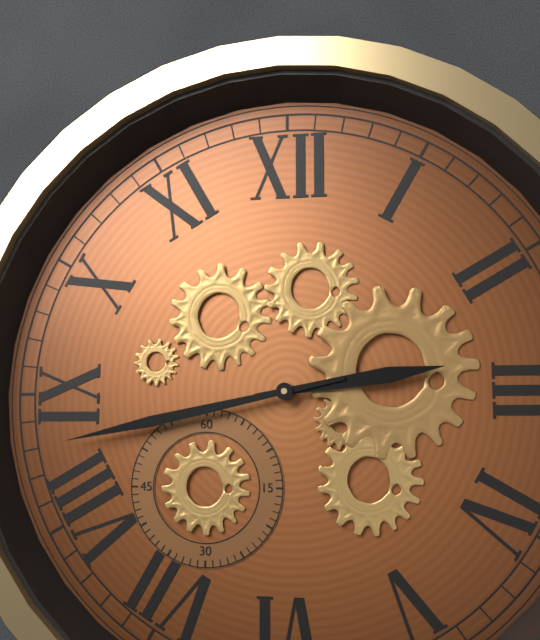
2:43
